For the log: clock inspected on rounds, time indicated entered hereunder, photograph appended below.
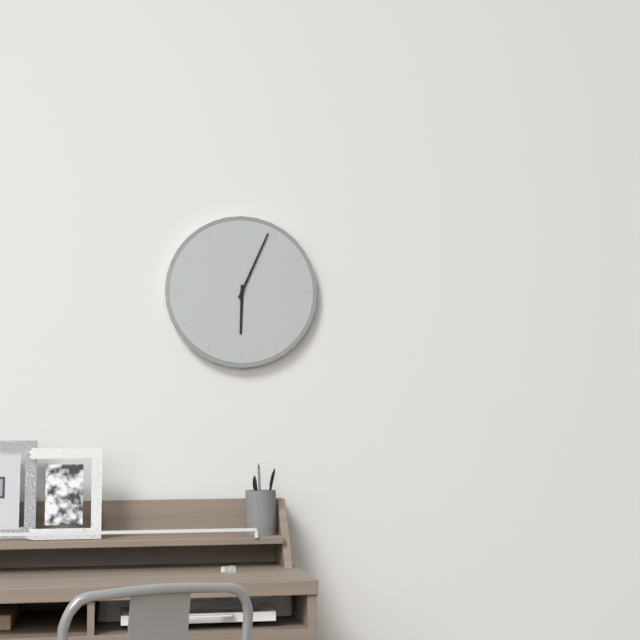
6:04
